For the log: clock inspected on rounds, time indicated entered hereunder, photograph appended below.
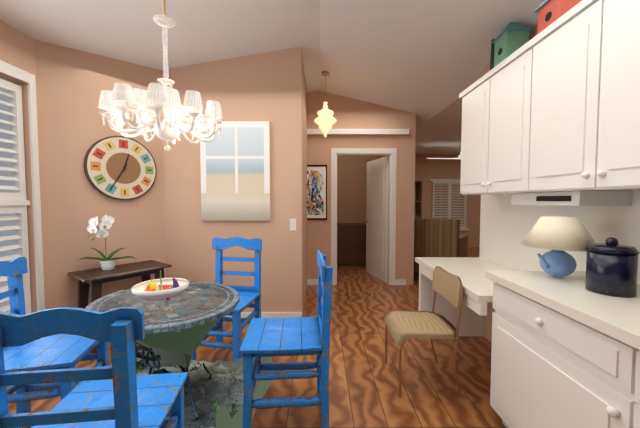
12:35
